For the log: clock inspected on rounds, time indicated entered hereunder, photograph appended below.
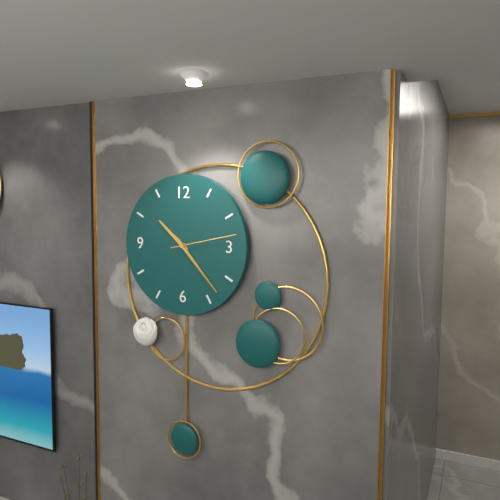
10:23:13
